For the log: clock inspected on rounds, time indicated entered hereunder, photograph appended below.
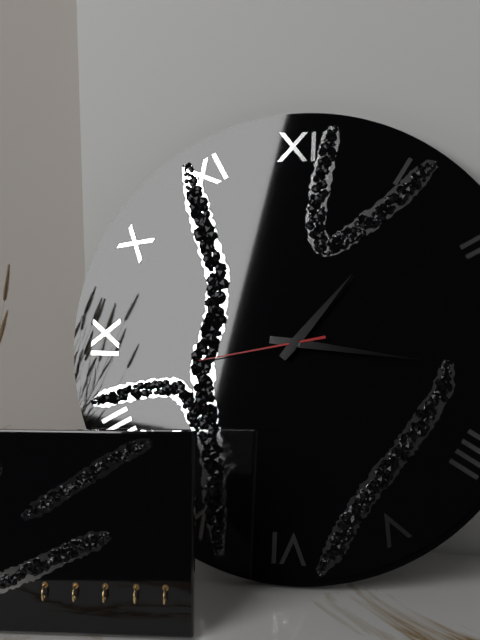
1:16:43
